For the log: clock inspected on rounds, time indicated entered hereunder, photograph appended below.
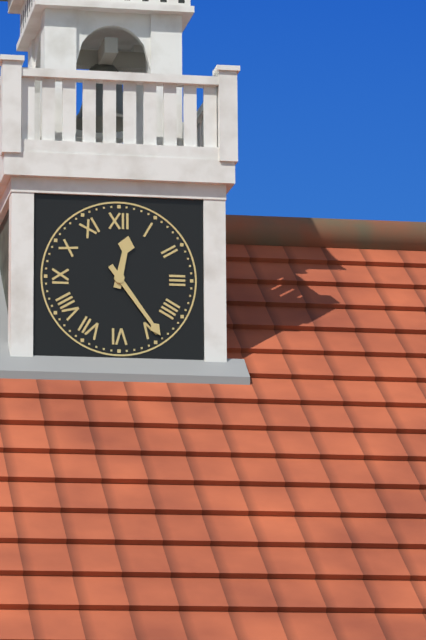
12:24
